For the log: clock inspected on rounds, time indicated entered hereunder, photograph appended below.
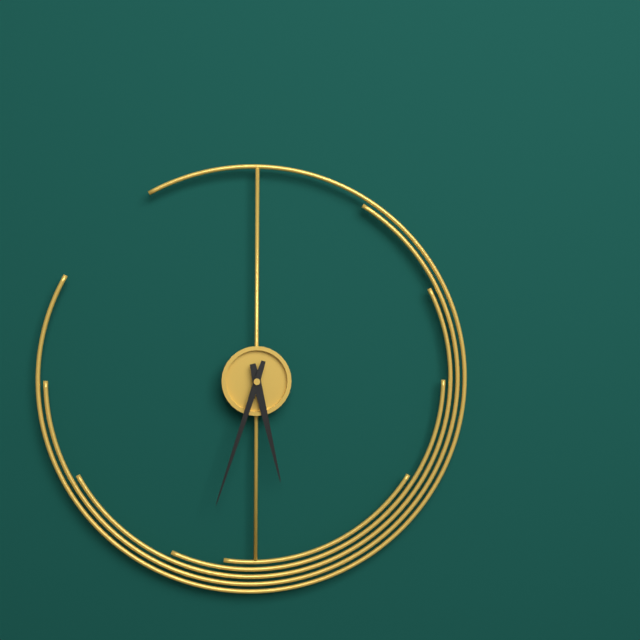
5:33
